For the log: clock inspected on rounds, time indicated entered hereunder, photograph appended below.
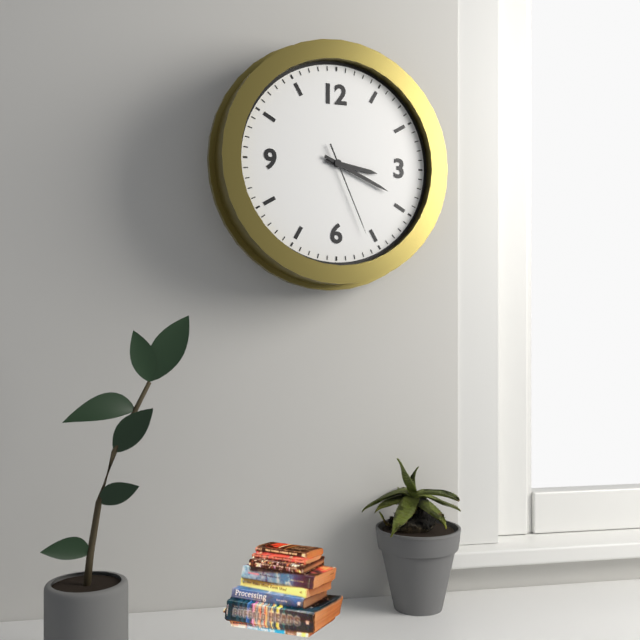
3:19:26
